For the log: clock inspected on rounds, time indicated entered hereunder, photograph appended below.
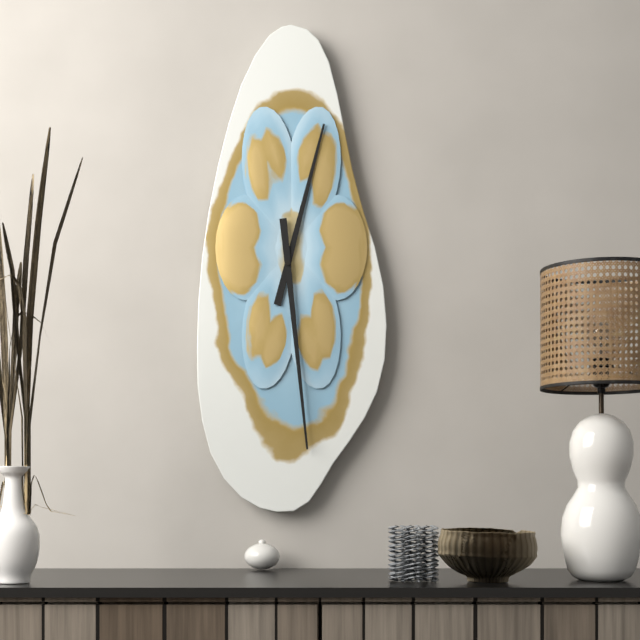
12:29
